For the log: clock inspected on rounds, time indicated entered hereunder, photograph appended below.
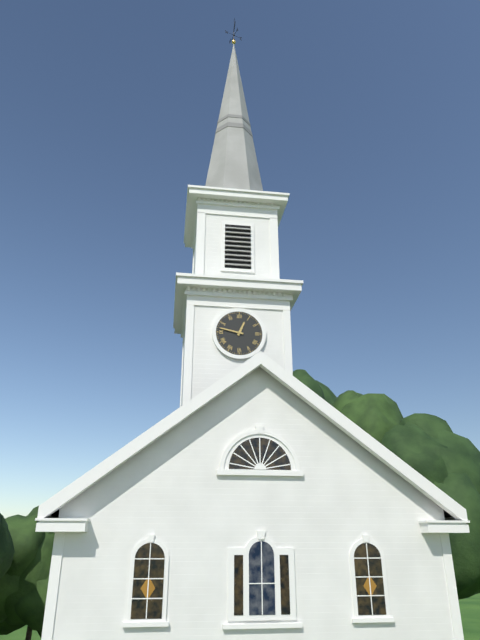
12:47
